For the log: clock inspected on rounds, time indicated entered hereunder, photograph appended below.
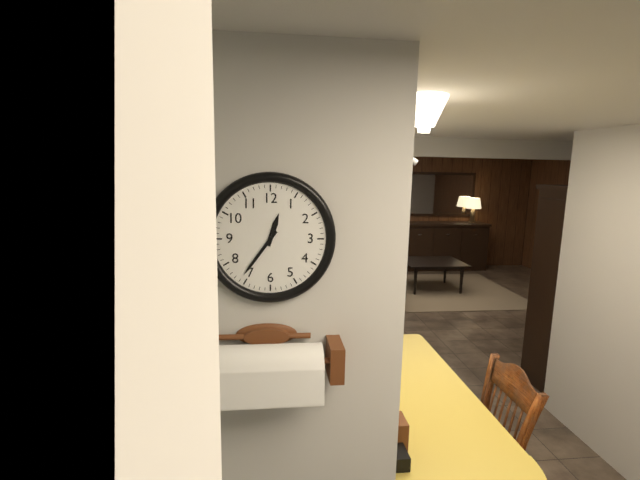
12:36
